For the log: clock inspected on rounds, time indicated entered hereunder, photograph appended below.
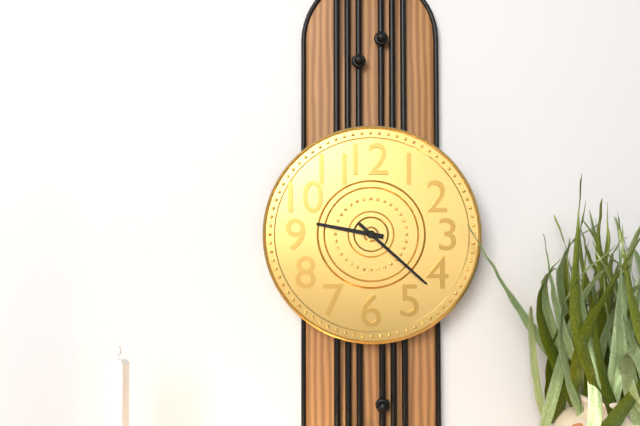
9:22
